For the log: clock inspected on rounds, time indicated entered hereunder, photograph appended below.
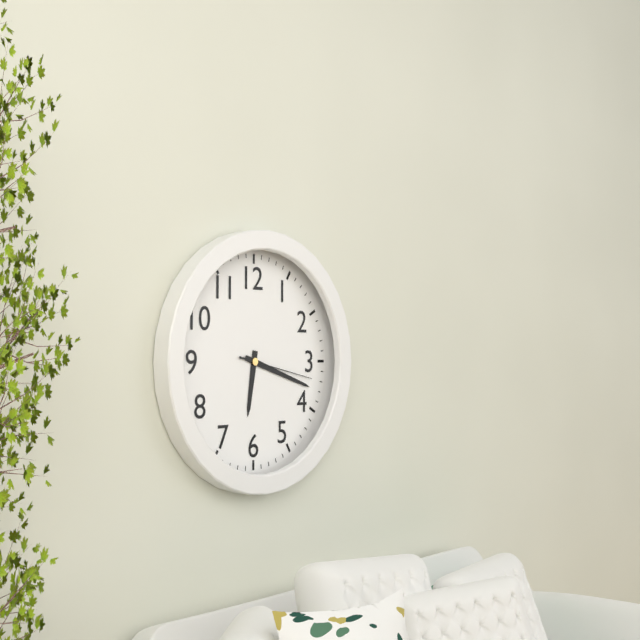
6:18:17
